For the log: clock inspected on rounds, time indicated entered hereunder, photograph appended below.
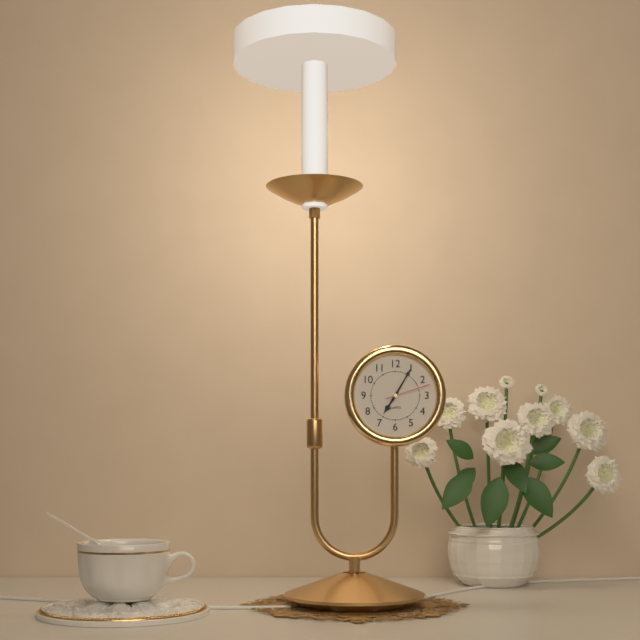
7:05
